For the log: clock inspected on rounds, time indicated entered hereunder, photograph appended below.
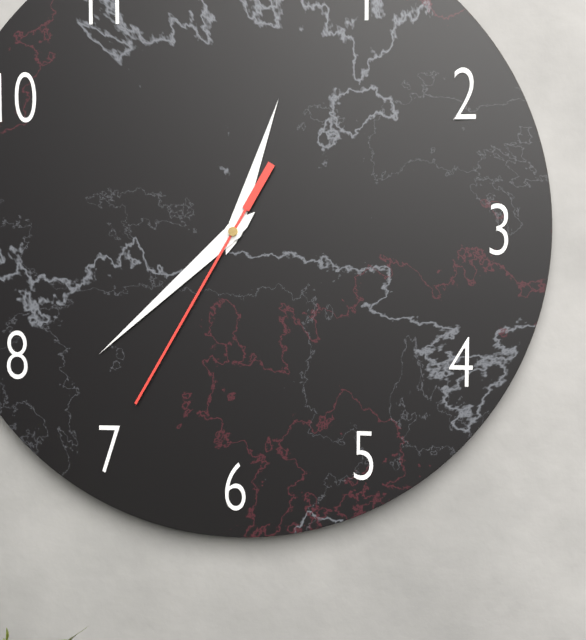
12:38:35
